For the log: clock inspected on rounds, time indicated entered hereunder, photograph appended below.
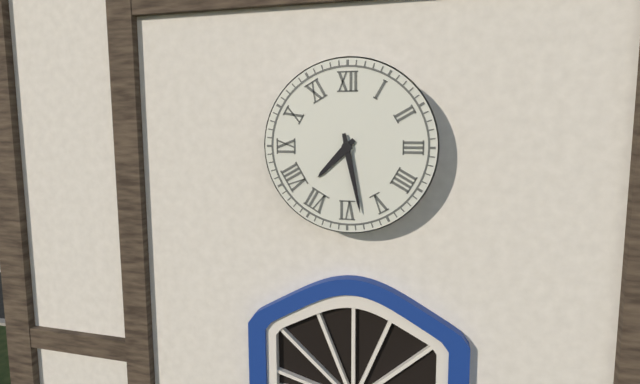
7:28
